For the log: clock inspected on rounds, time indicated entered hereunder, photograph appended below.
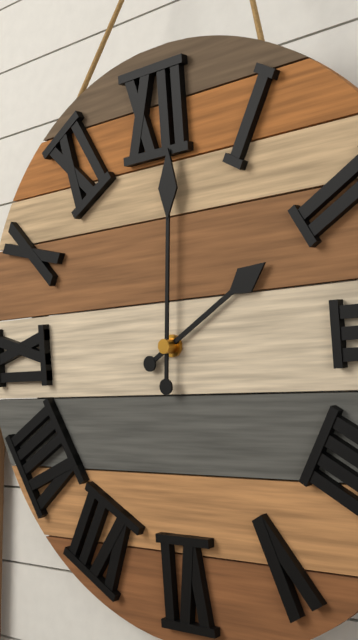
2:01
